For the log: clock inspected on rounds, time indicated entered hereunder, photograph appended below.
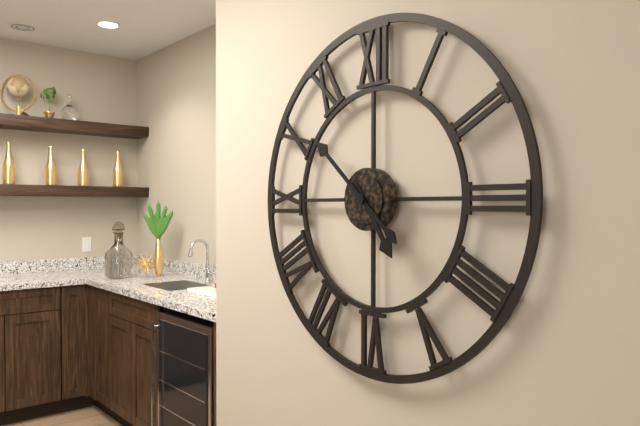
4:52
